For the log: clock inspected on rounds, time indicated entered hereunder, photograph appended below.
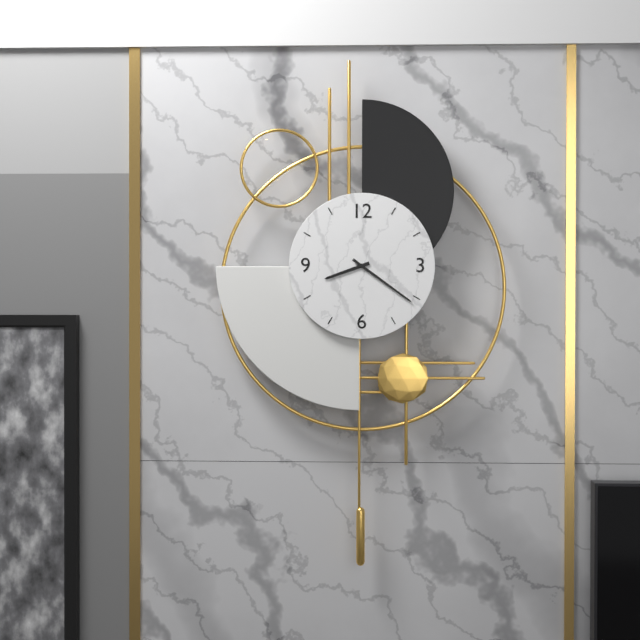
8:21
